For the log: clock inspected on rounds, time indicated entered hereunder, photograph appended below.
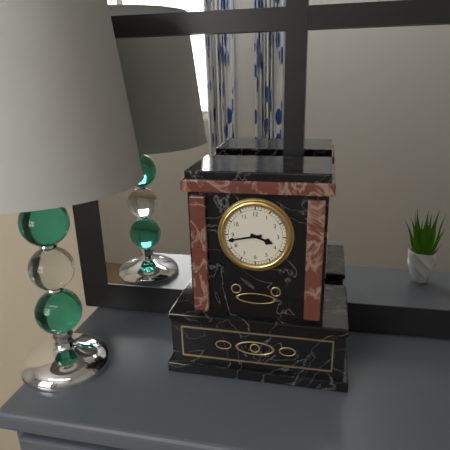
3:43
